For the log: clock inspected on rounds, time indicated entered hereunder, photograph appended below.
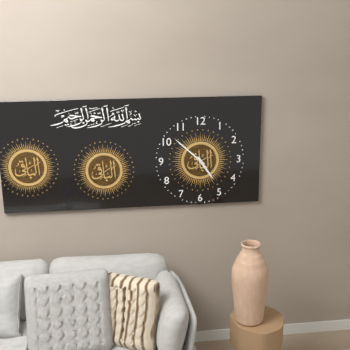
4:52
